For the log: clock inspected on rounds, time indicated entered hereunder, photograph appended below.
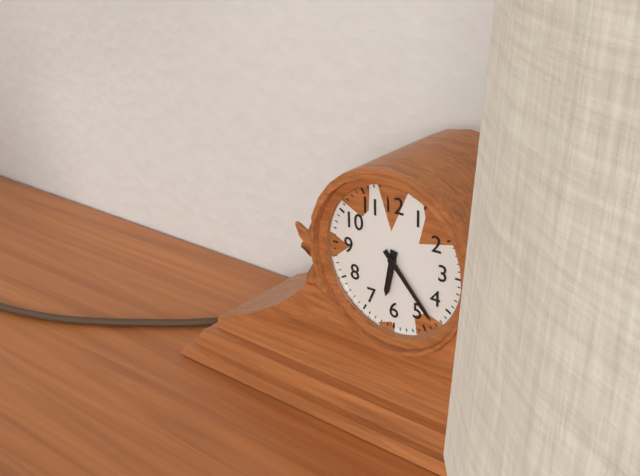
6:23
